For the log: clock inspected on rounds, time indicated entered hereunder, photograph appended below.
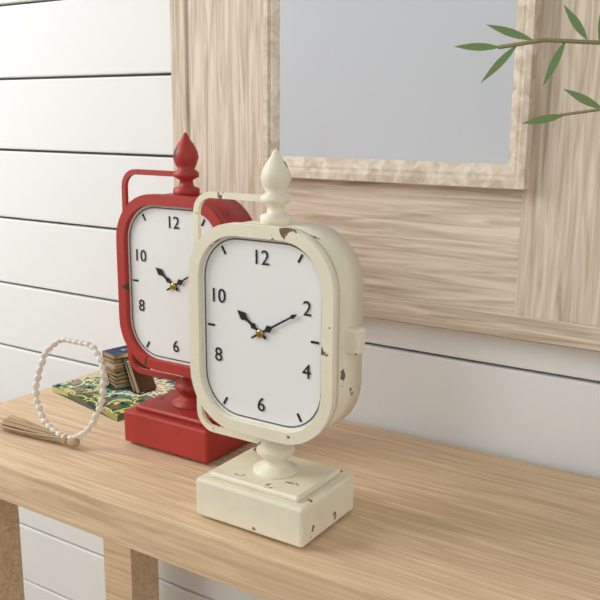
10:10
